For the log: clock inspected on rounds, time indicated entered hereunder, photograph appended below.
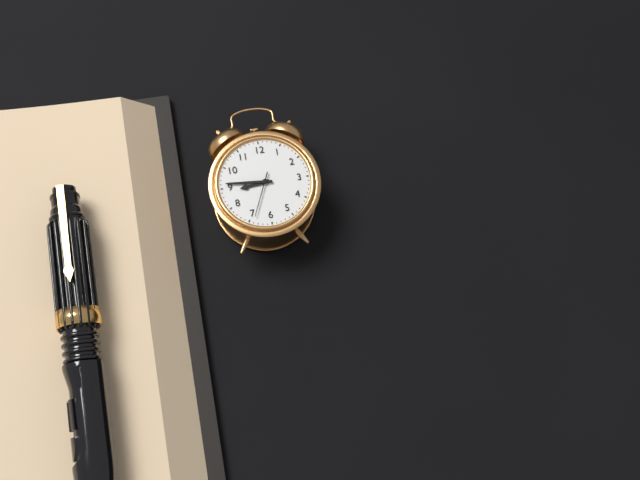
8:46
